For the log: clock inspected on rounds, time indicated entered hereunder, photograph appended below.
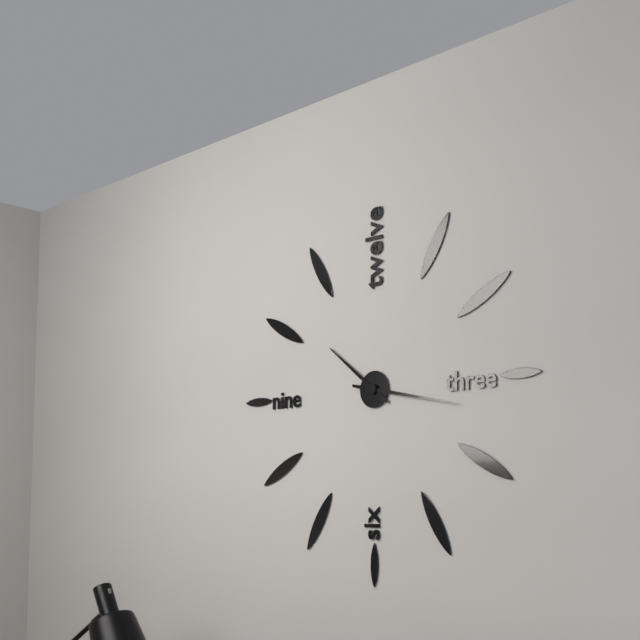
10:17
